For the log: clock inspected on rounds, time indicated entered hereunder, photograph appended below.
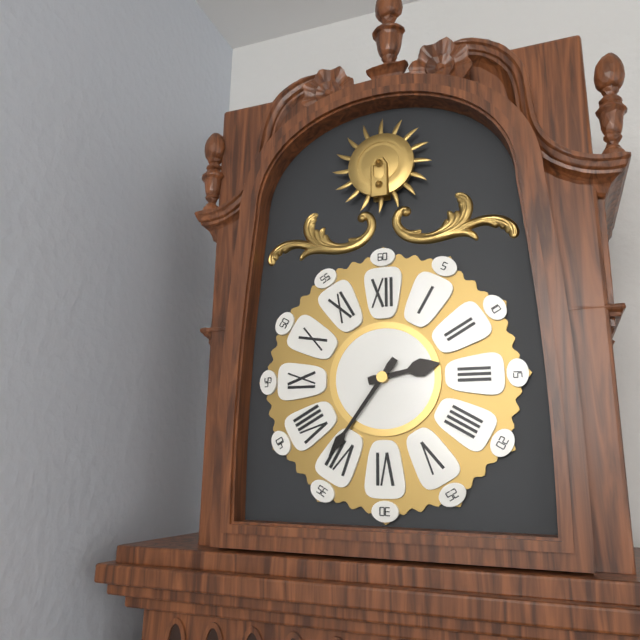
2:36
